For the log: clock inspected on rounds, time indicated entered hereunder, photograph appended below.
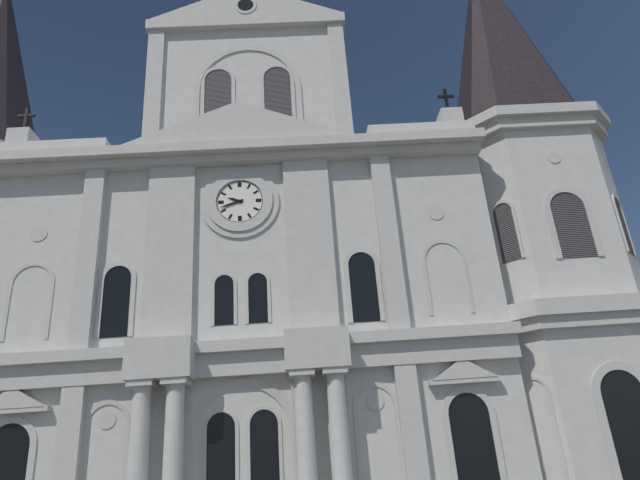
9:42
